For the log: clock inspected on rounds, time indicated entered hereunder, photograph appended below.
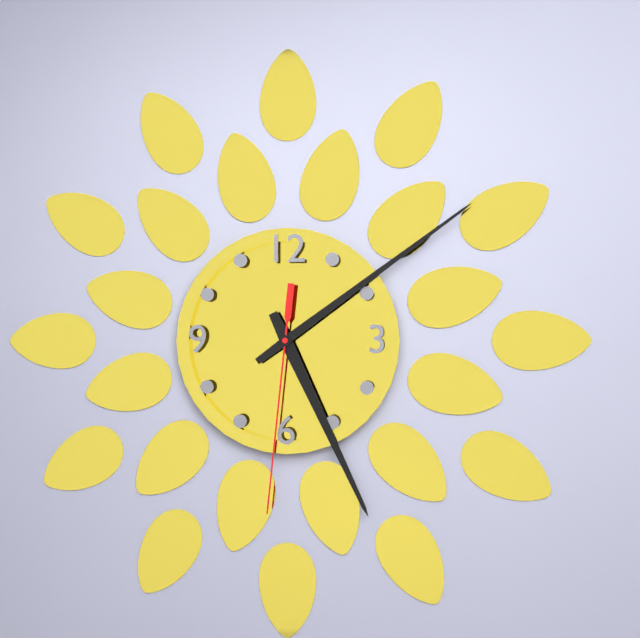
5:09:31
